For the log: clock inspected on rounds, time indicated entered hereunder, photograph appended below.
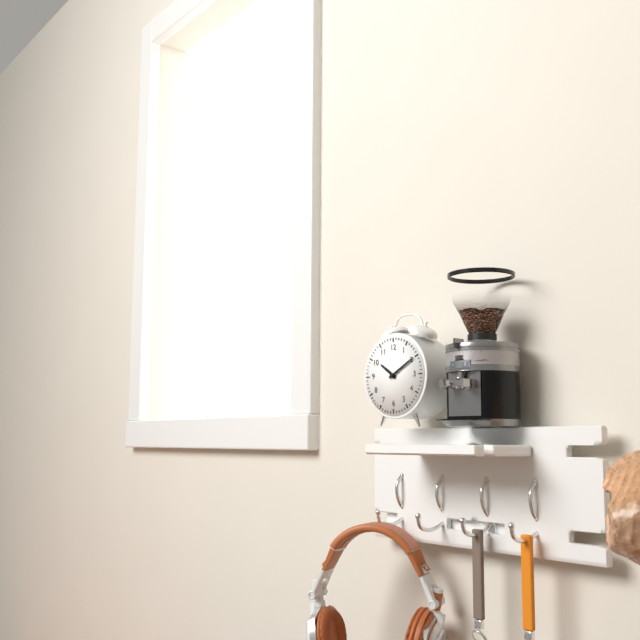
10:10
